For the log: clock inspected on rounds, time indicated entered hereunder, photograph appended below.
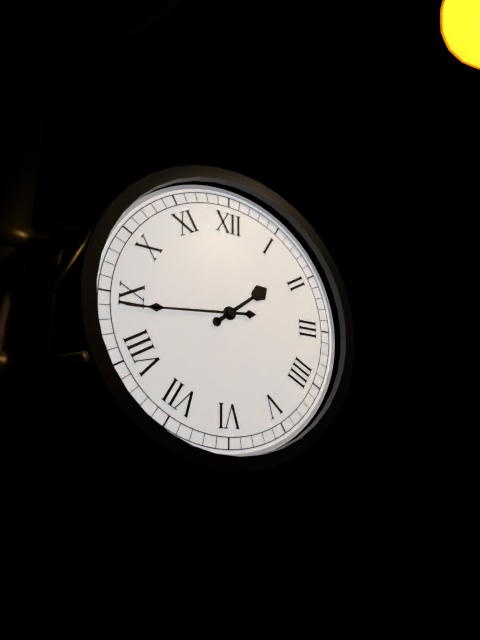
1:44
